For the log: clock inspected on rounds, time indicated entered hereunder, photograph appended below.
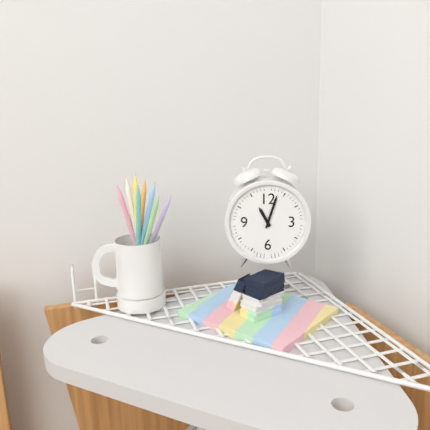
11:03
